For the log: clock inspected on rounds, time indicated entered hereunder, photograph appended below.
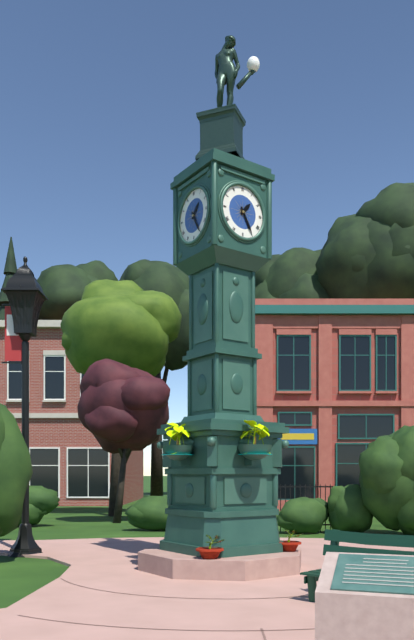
1:25
